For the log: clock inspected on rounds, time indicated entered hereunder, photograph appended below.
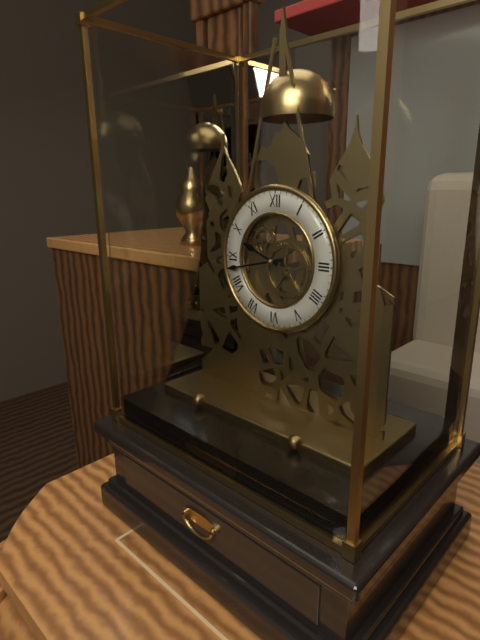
9:43
